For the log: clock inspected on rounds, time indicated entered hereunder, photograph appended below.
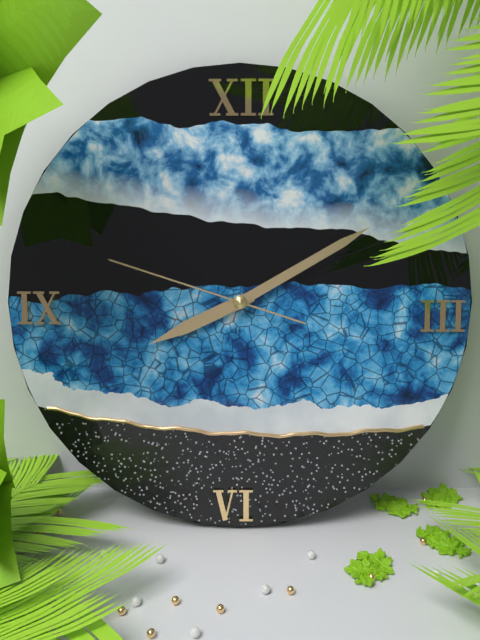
8:10:48
